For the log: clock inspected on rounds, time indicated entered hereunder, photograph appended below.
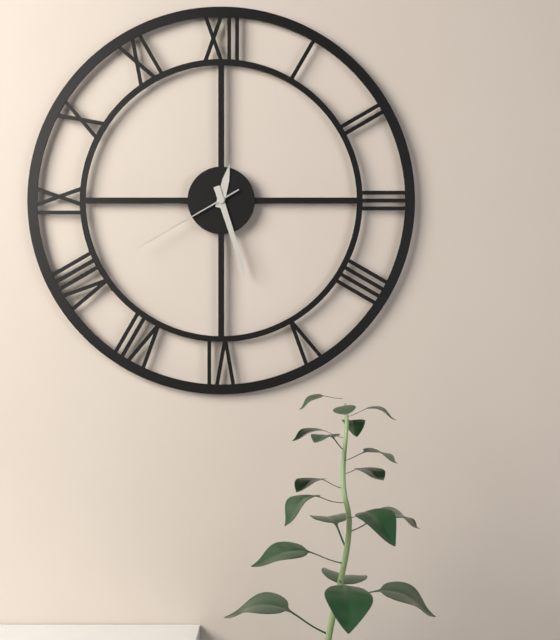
12:27:40
